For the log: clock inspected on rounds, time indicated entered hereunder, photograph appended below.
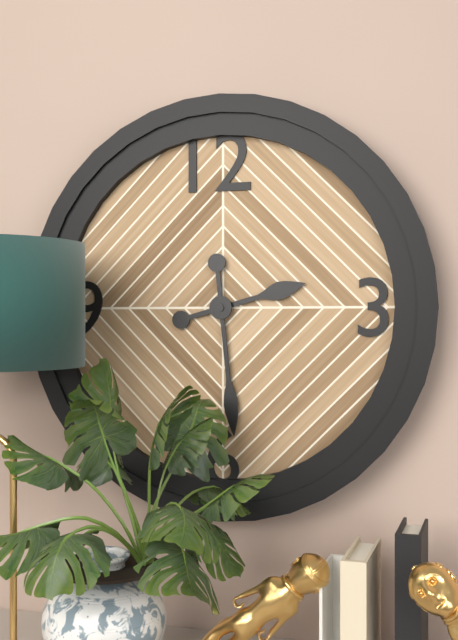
2:29
